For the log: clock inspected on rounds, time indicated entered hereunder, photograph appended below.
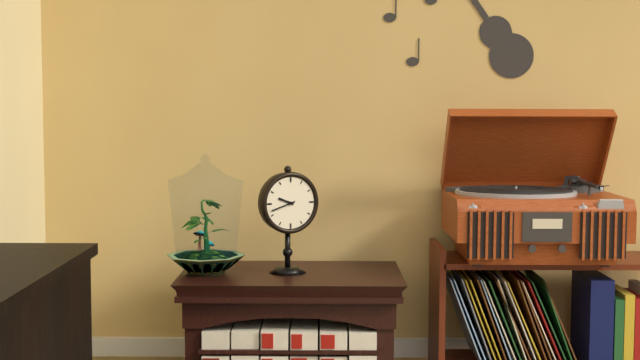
9:42
